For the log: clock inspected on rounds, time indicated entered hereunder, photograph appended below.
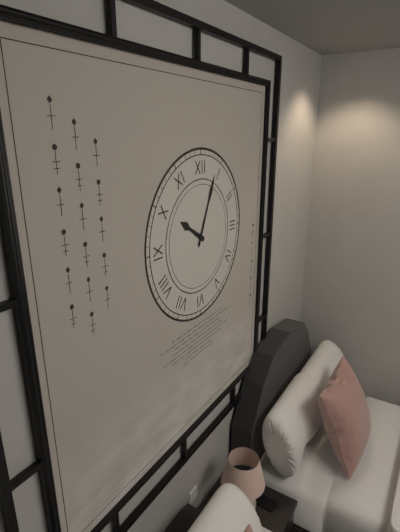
10:04
